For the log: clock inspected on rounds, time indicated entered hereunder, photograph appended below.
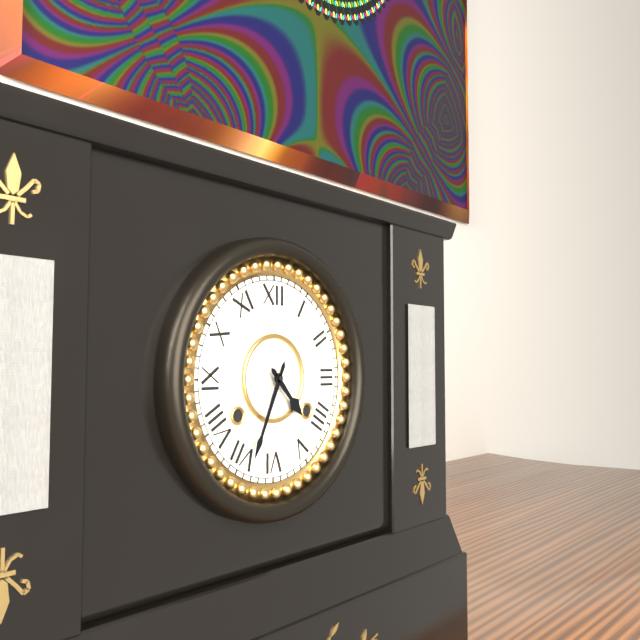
4:34
